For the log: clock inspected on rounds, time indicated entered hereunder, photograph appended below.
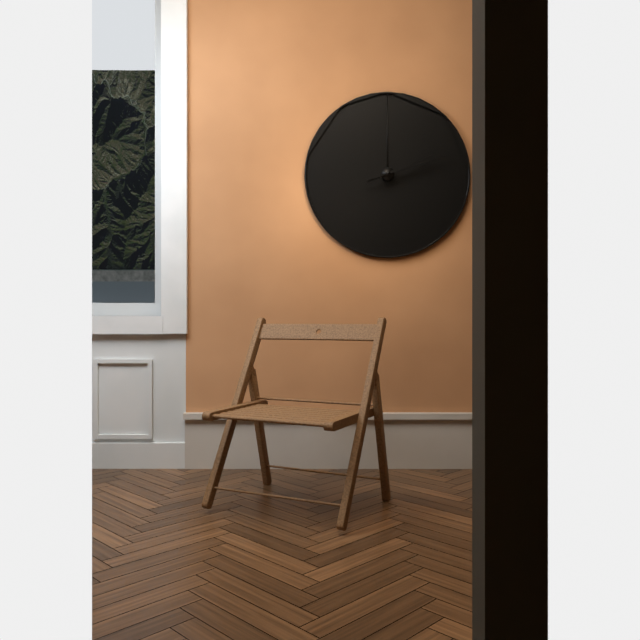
2:12
